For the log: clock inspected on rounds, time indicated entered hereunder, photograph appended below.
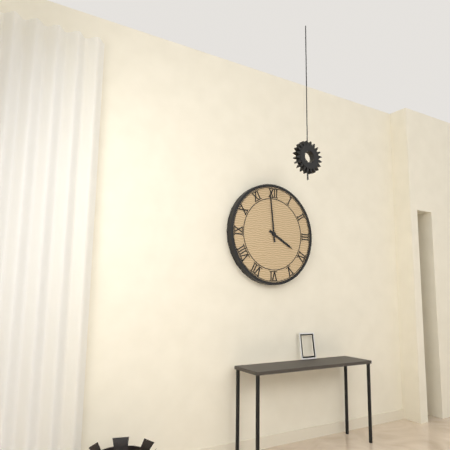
3:59
